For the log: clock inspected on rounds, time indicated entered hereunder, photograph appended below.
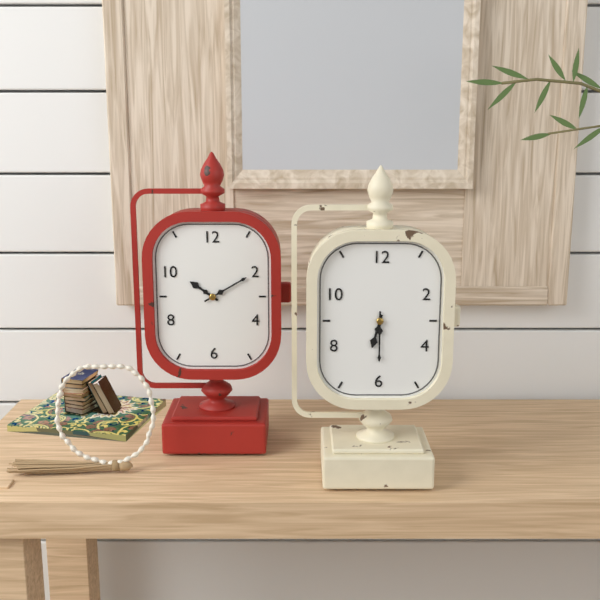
6:30
